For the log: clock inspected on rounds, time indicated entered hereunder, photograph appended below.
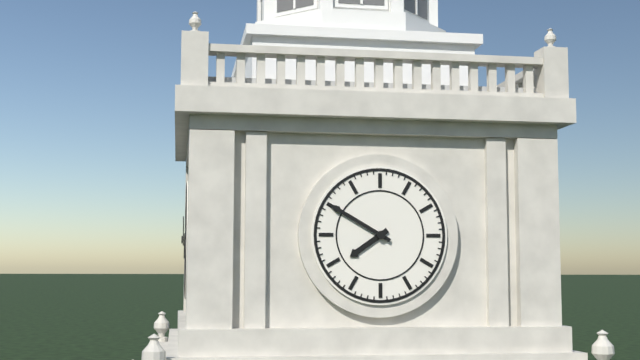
7:50
